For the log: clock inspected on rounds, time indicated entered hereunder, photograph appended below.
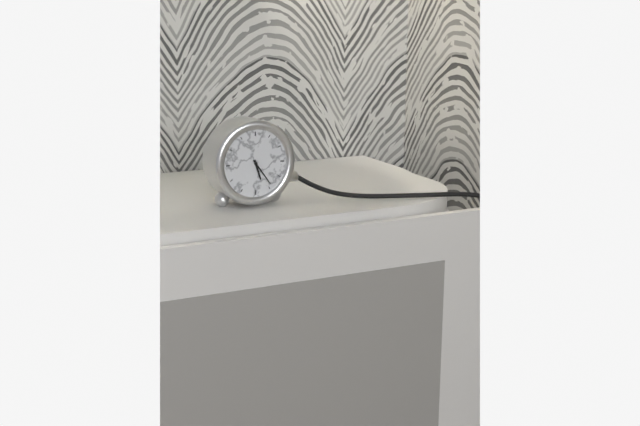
5:24
